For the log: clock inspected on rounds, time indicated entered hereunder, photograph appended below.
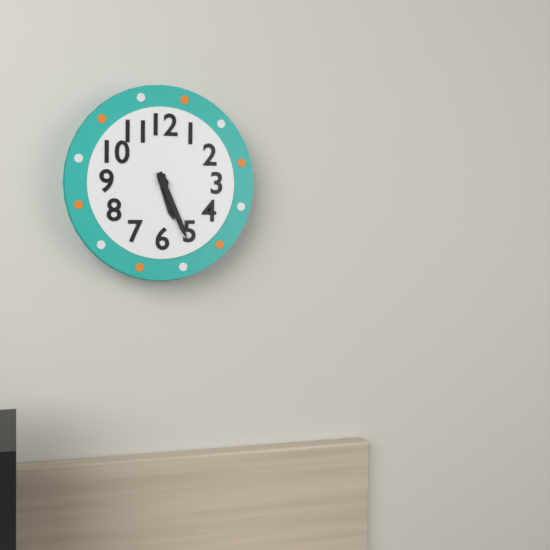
5:26
